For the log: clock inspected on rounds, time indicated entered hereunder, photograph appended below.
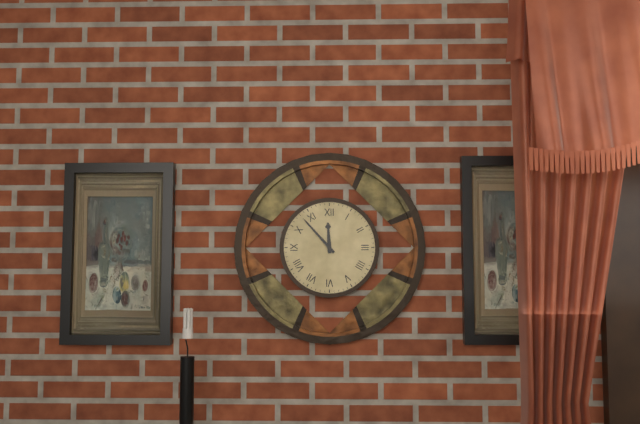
11:53
